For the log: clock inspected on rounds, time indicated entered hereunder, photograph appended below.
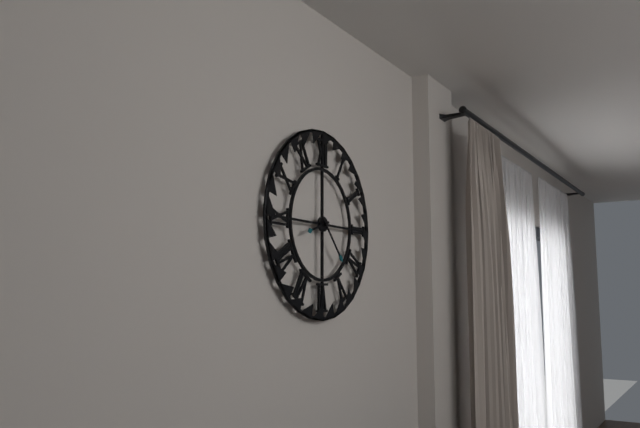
8:23
